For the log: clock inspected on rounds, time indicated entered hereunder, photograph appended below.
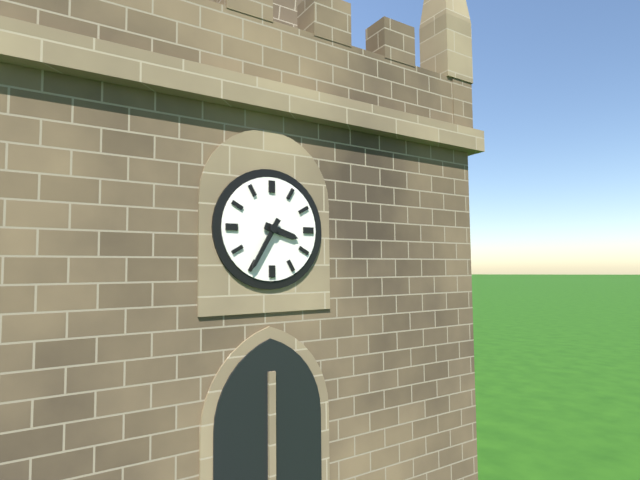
3:35
